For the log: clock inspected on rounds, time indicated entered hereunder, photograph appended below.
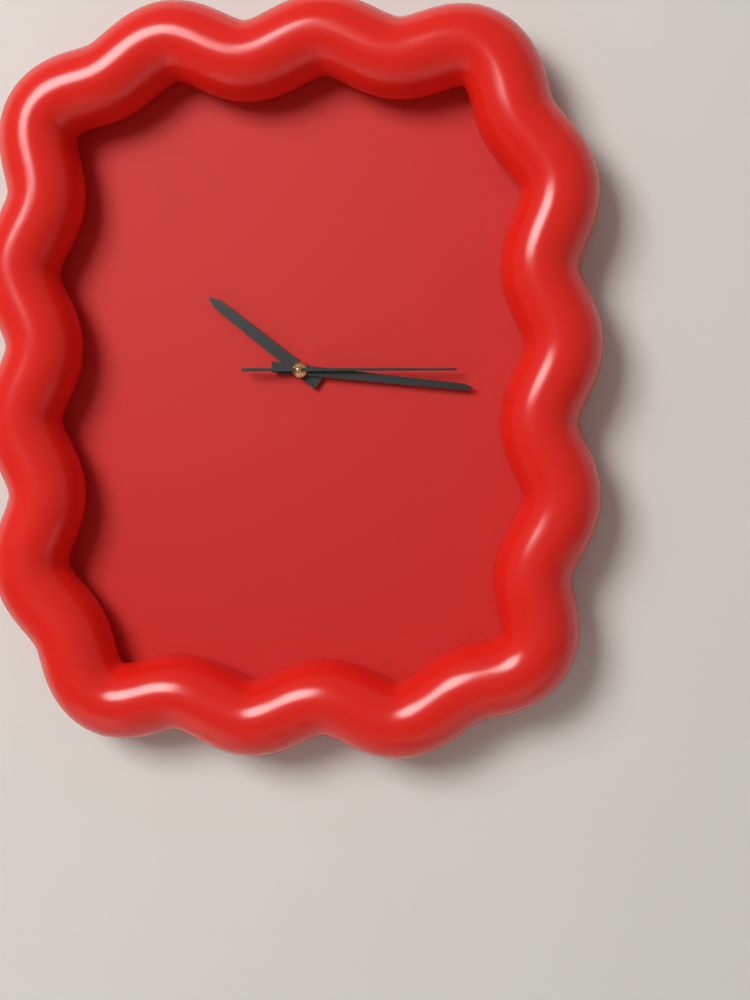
10:16:15
